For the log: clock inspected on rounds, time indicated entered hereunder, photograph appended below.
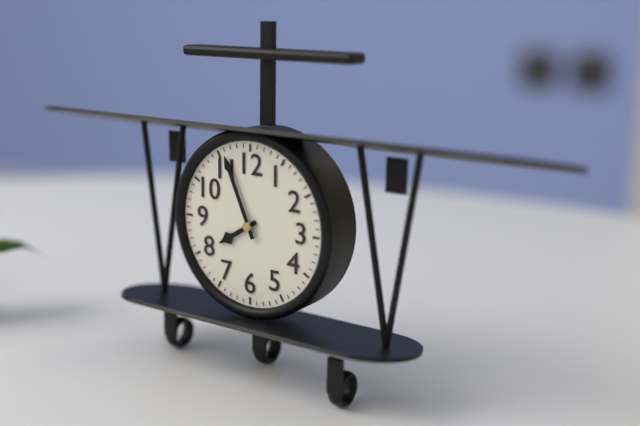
7:56
